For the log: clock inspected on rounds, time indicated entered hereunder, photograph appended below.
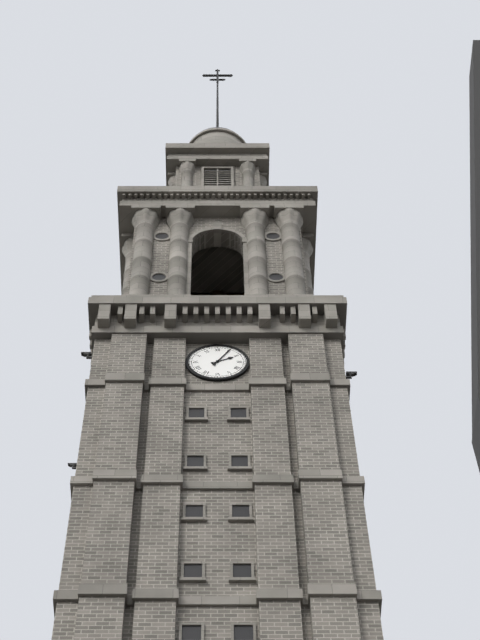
2:05
